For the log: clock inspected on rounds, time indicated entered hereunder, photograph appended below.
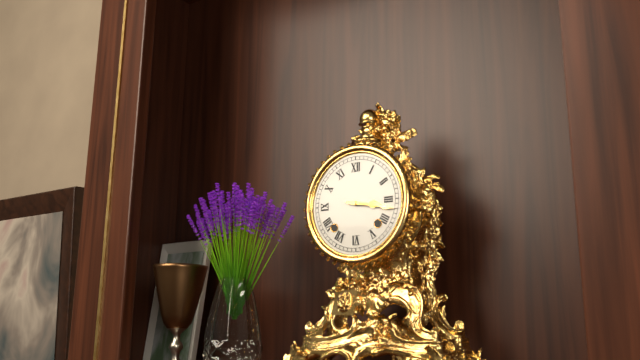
3:17
